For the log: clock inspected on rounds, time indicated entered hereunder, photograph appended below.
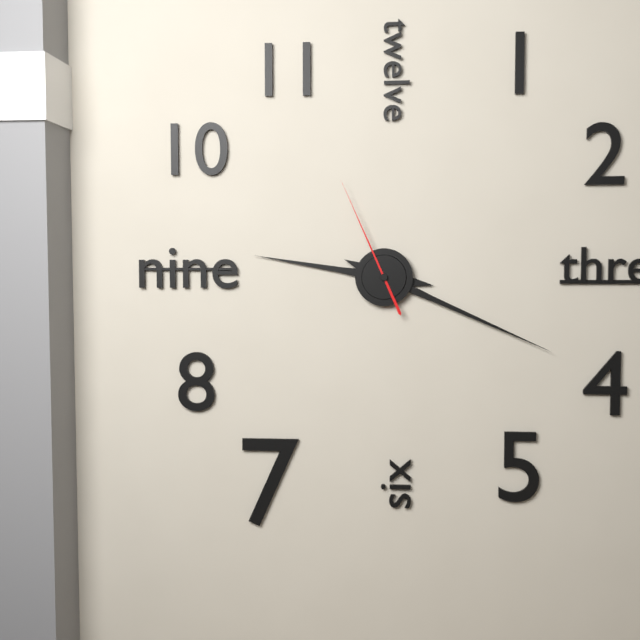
9:19:56
